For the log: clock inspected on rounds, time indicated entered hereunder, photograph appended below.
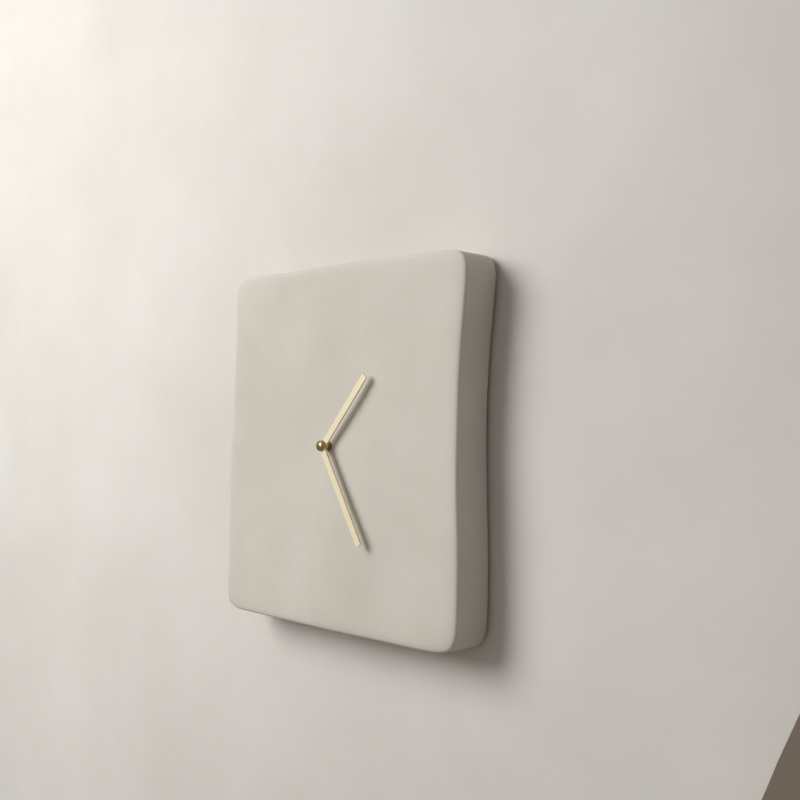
1:25
